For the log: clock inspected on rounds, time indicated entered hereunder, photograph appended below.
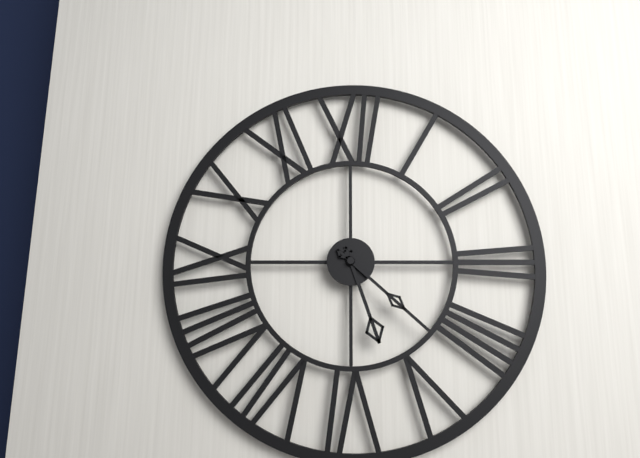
5:22
